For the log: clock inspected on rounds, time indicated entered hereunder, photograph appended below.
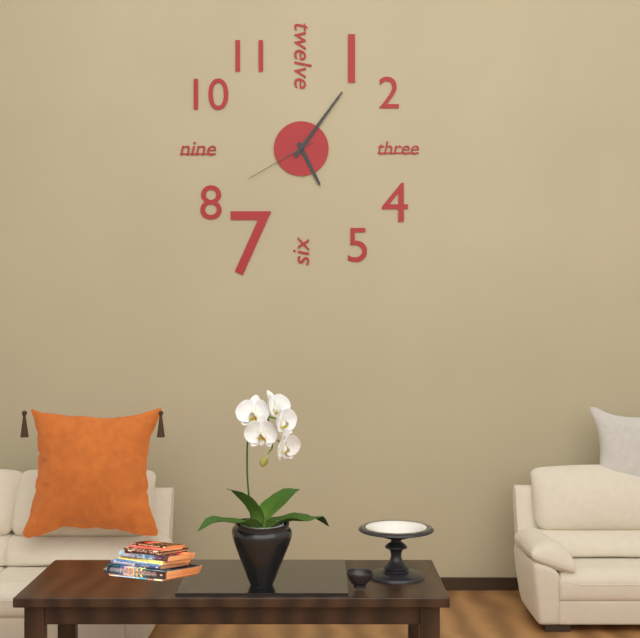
5:06:40
